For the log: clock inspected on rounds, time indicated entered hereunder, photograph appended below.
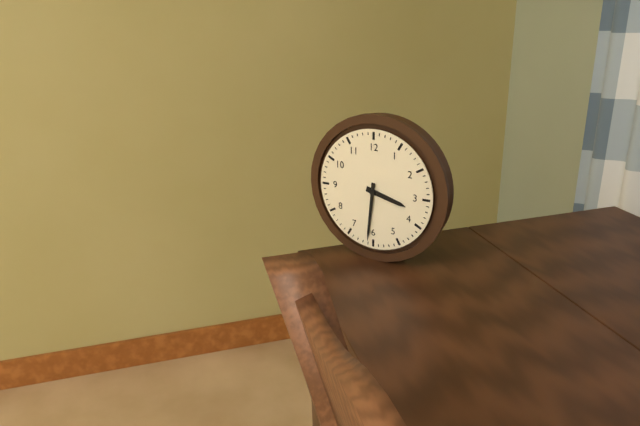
3:31
